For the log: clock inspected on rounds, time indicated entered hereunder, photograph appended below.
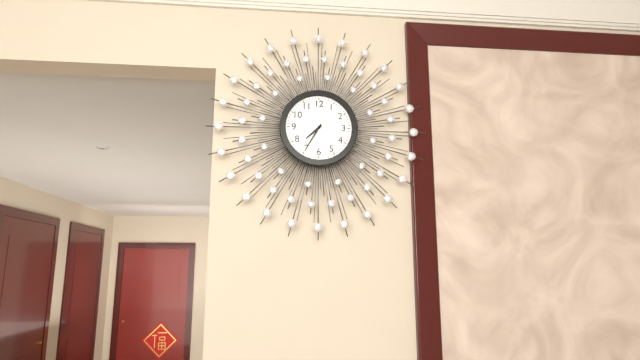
7:35
